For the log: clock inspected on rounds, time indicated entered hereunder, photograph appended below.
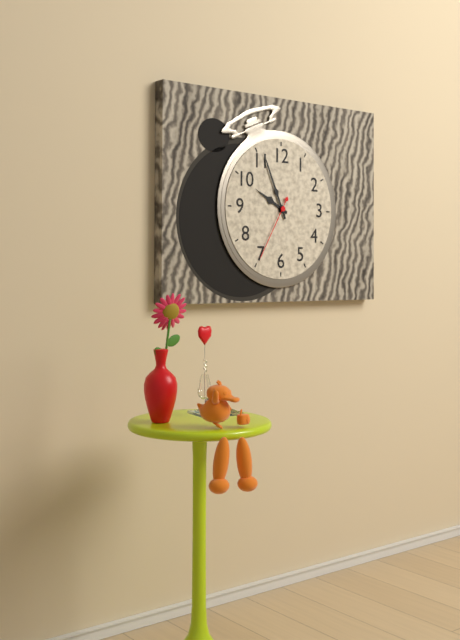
9:56:35
